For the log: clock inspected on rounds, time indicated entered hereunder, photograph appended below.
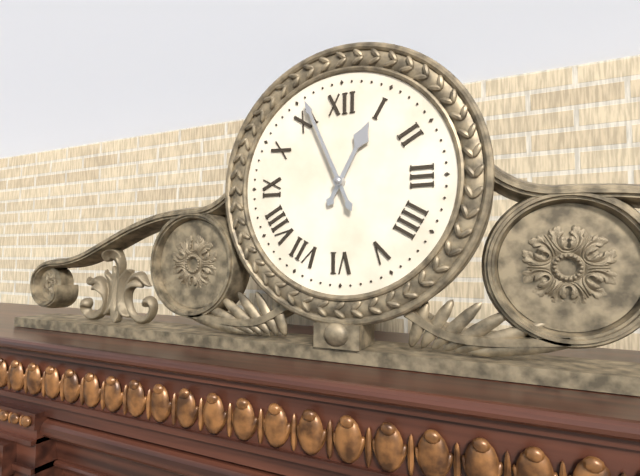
12:56
